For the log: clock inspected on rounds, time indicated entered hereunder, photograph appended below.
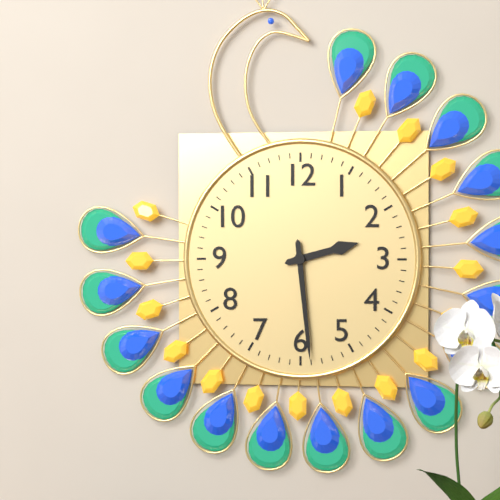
2:29
